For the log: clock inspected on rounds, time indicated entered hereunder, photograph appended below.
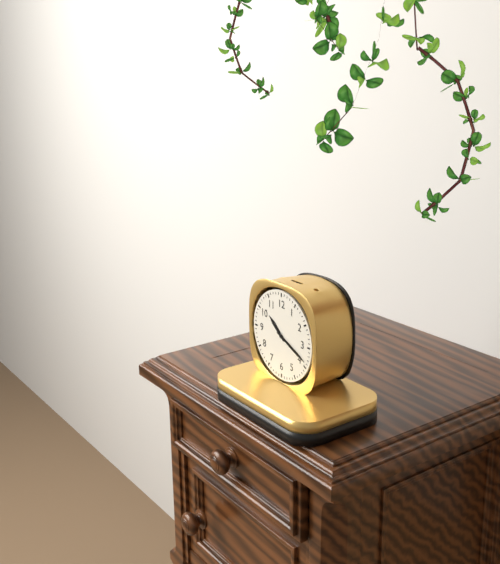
10:19
